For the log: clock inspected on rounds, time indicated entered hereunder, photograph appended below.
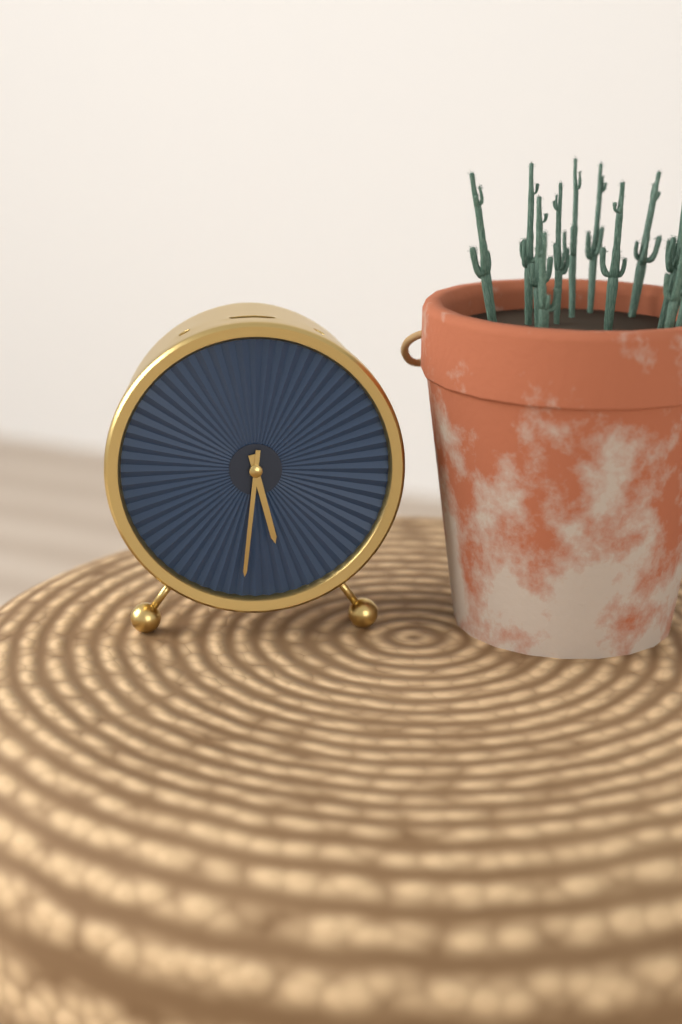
5:31
